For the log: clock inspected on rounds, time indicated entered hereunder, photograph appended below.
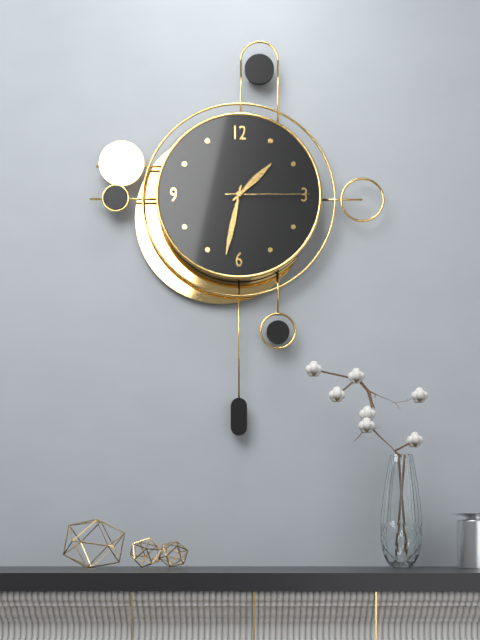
1:32:15
